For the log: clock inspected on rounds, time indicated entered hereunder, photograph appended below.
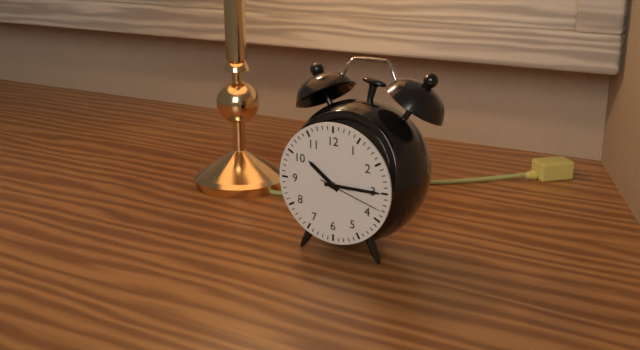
10:15:18
